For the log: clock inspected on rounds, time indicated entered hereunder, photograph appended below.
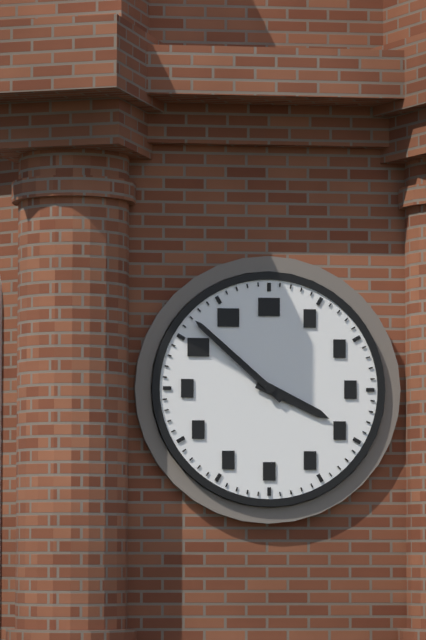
3:52
